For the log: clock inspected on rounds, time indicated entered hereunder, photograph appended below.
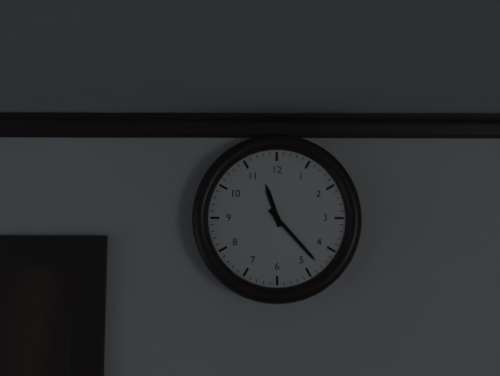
11:23
